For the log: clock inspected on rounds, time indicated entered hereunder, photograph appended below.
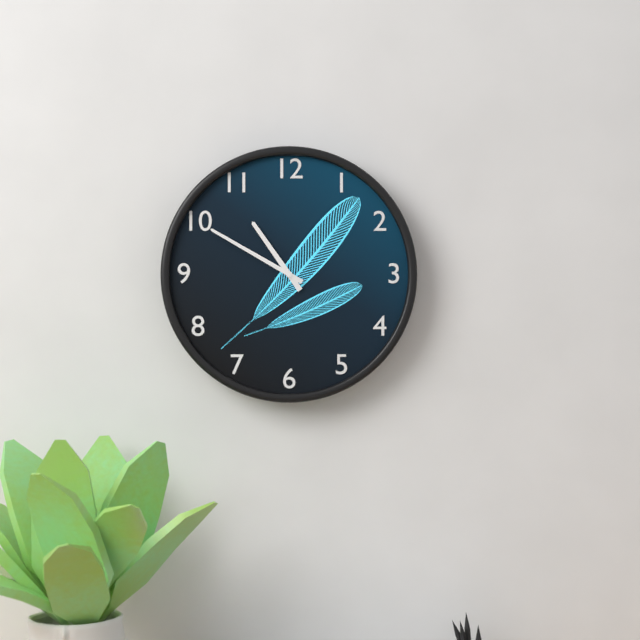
10:50
